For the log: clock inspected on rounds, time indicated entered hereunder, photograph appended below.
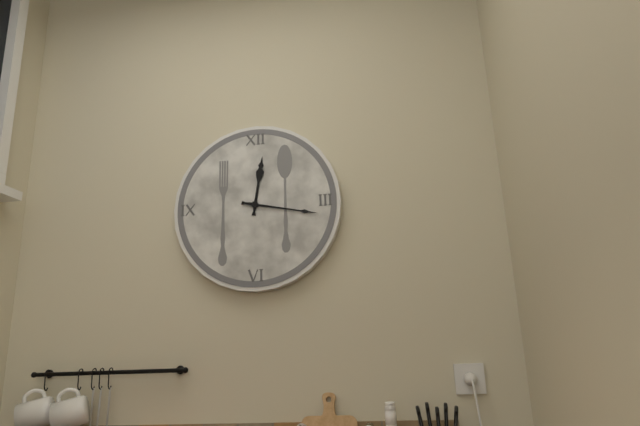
12:17
